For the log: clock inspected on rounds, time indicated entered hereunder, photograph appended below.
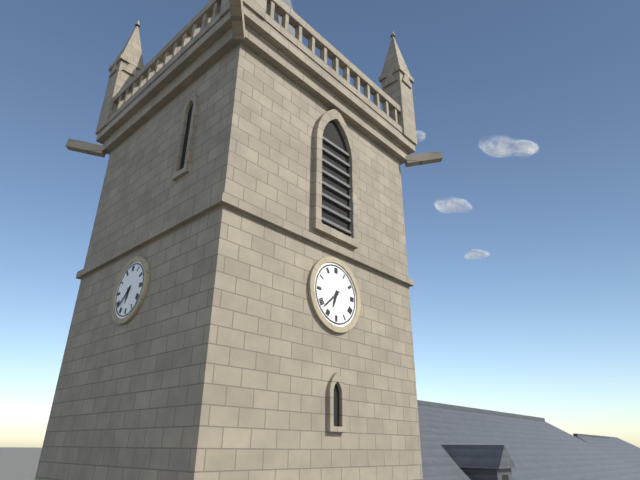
6:38
